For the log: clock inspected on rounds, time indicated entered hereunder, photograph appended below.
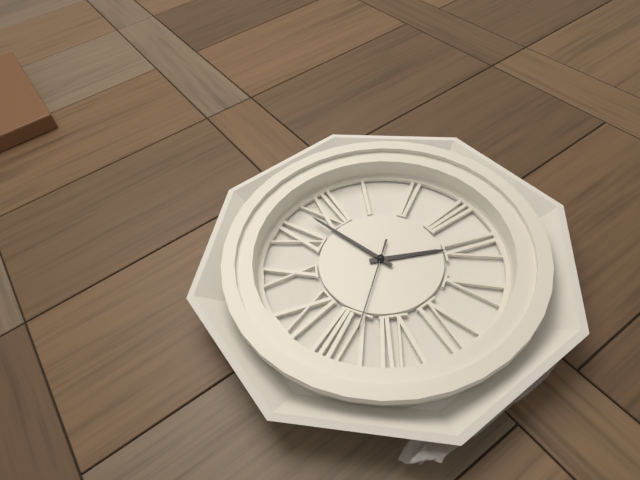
3:58:39
